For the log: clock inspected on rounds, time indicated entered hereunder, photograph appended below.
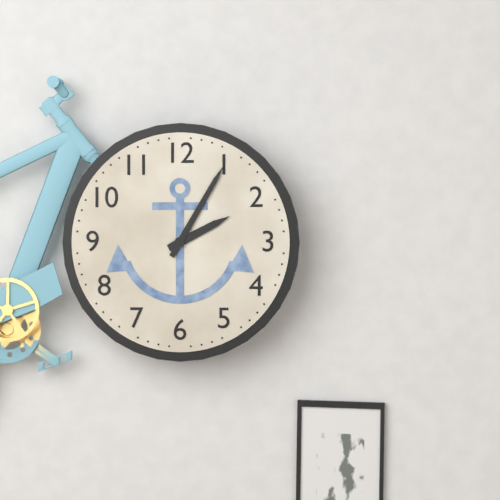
2:05
